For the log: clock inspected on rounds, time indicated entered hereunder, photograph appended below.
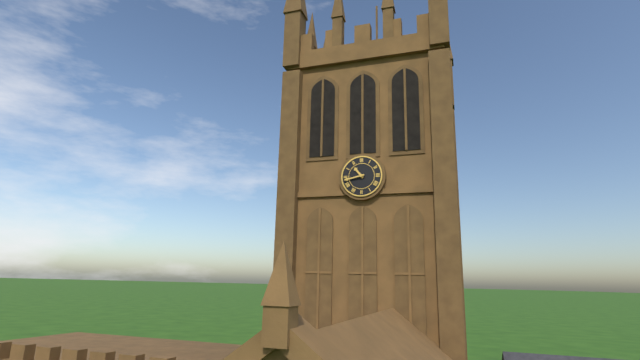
10:43
